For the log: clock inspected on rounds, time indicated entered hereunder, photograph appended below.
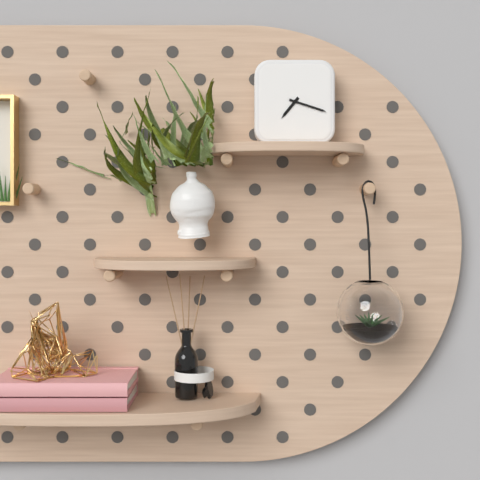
7:18
